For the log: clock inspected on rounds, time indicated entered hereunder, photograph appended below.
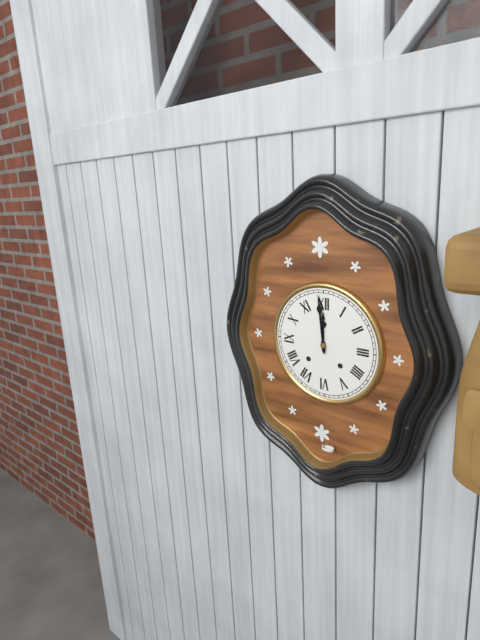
11:59
